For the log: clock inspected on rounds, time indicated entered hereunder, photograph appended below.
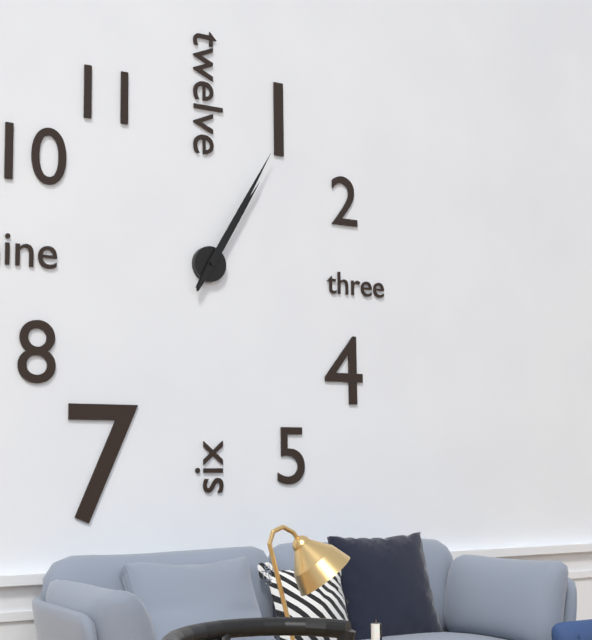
1:05
